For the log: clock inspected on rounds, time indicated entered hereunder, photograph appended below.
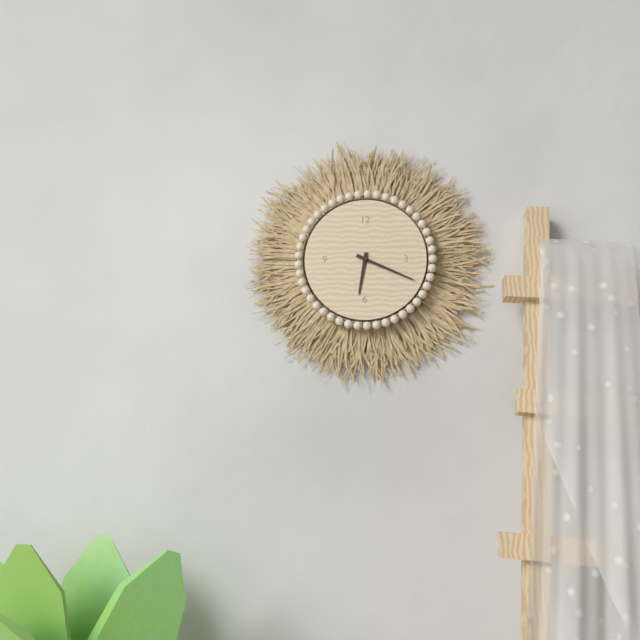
6:19
